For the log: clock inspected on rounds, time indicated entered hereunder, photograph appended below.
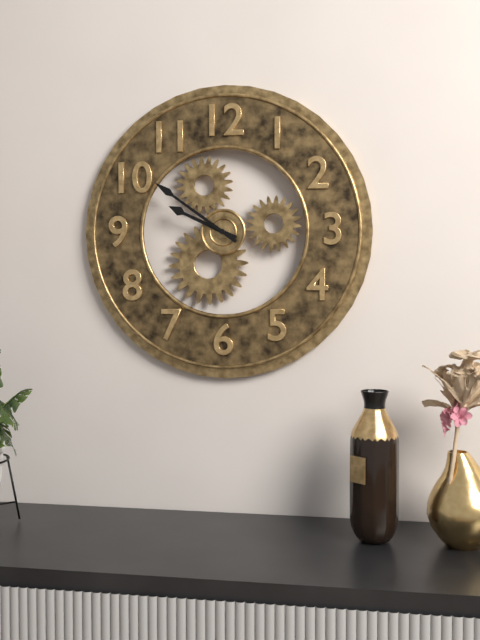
9:51
